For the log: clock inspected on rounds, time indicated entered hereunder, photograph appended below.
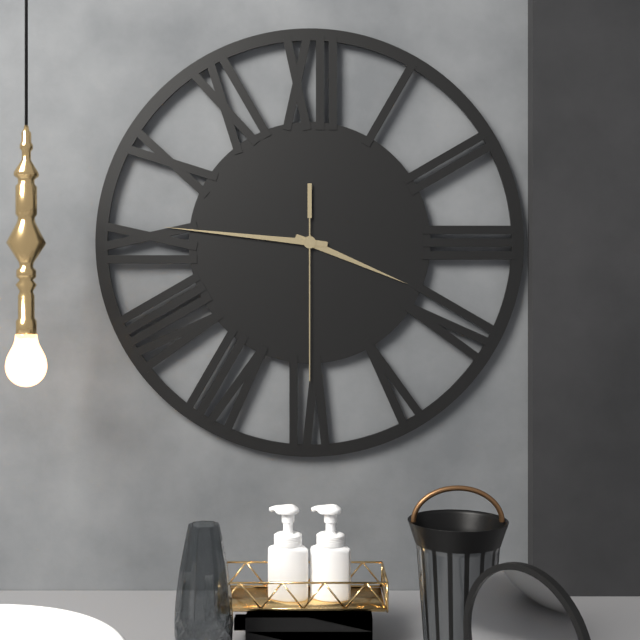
3:46:30
